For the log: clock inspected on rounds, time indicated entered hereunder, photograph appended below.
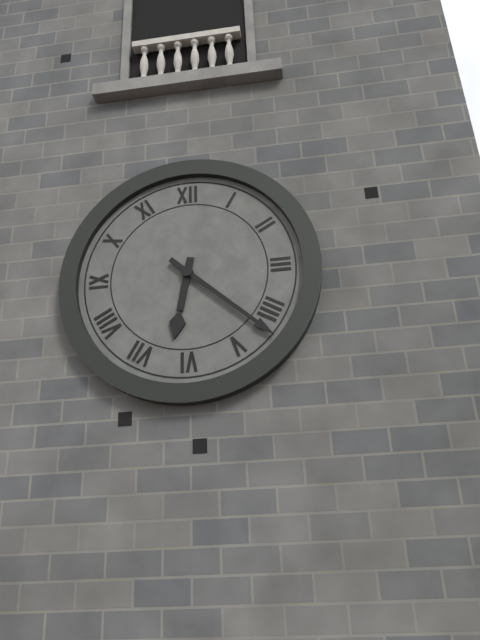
6:22
